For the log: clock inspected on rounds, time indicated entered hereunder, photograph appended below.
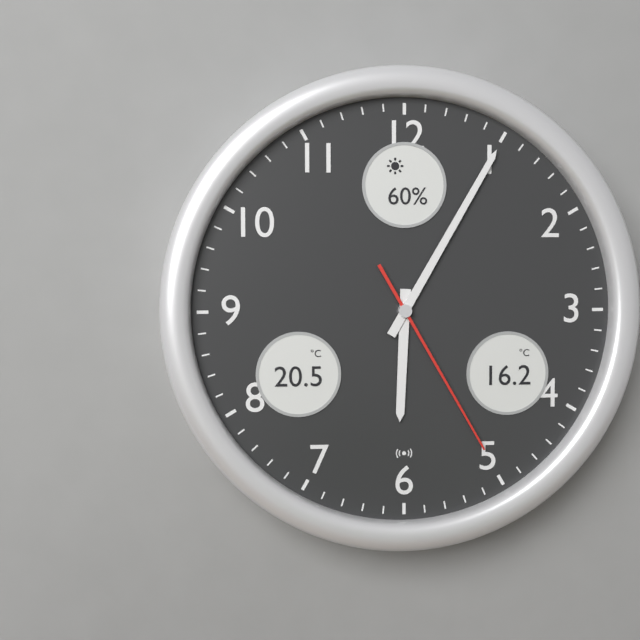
6:05:25
